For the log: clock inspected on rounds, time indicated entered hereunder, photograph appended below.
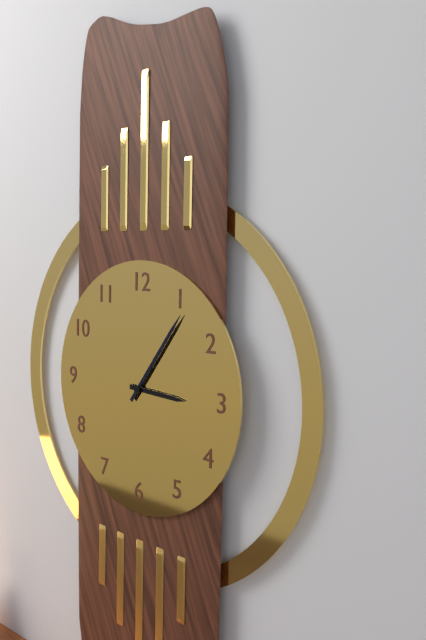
3:06
